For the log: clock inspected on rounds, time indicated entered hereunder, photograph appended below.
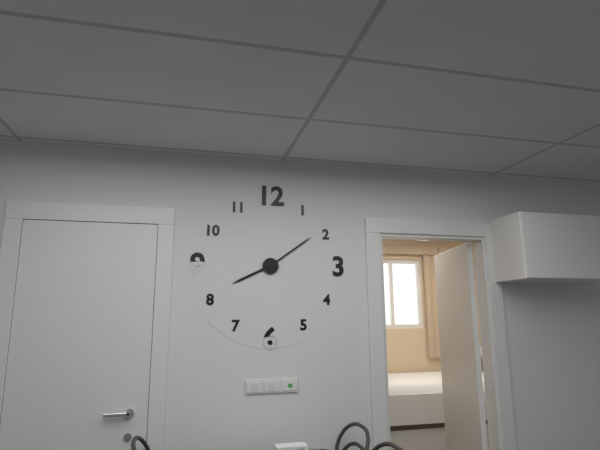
8:09
